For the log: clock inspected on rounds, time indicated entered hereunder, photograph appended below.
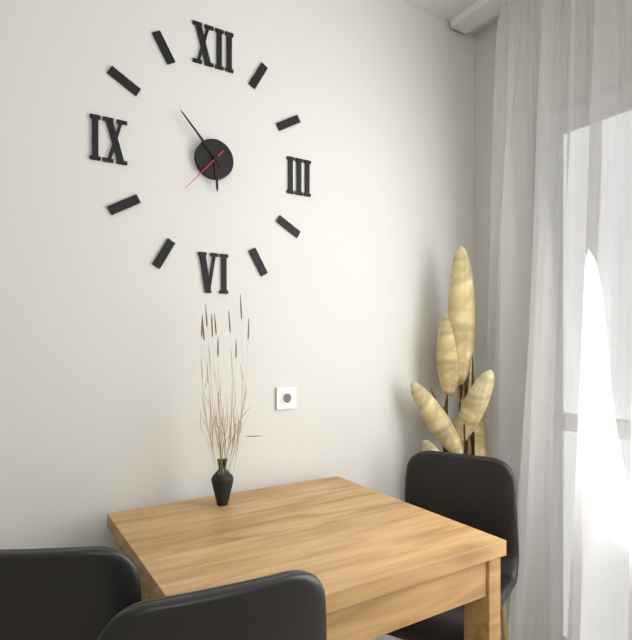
5:53
